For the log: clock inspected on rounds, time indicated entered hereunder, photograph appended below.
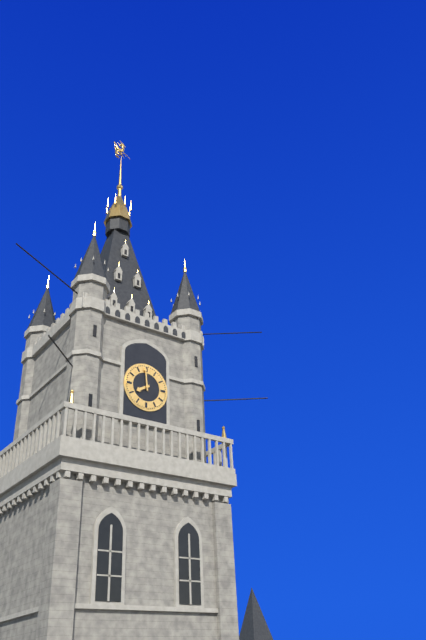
7:59
